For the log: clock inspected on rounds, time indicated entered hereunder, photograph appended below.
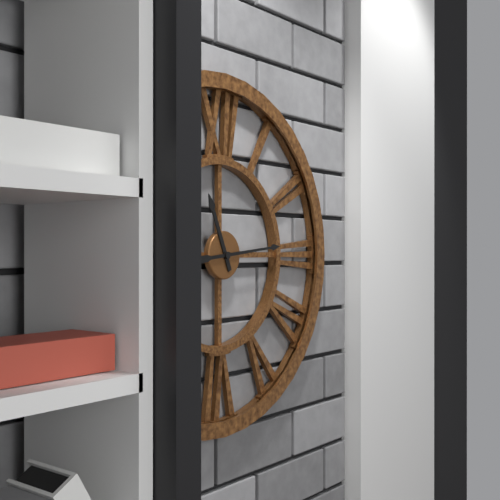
11:14
